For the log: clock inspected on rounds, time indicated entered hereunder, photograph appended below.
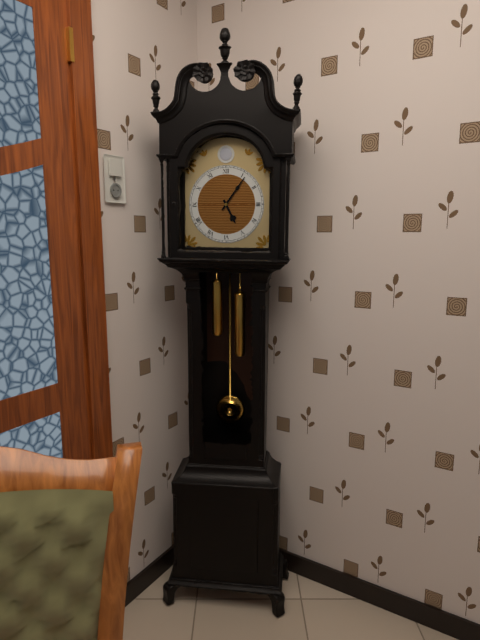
5:06
